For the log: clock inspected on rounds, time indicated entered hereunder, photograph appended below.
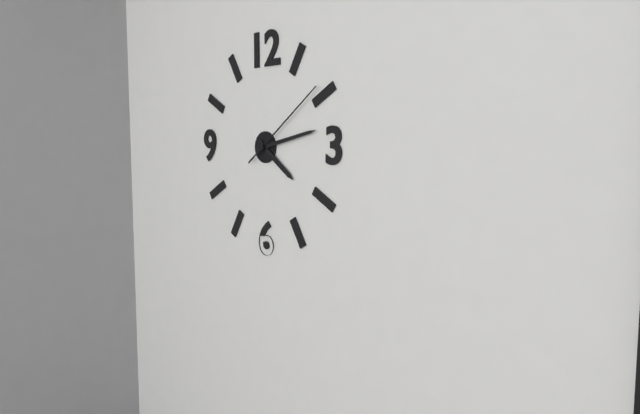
4:13:09
